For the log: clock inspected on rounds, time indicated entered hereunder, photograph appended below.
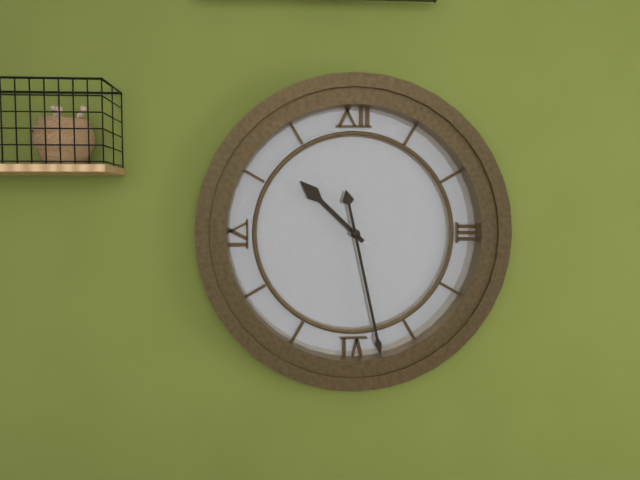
10:28
